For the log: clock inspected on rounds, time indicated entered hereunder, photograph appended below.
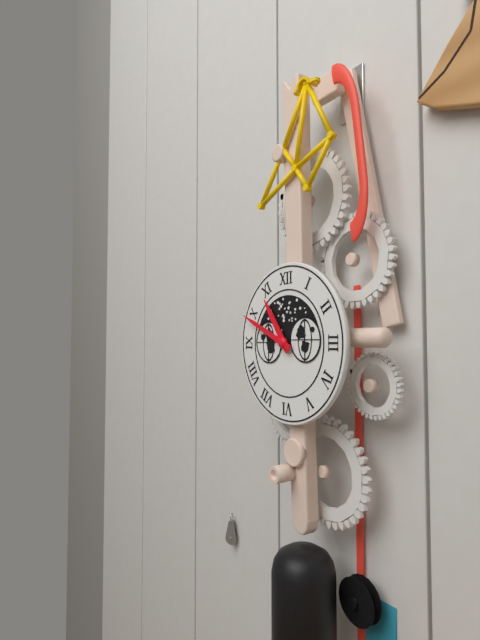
10:49
